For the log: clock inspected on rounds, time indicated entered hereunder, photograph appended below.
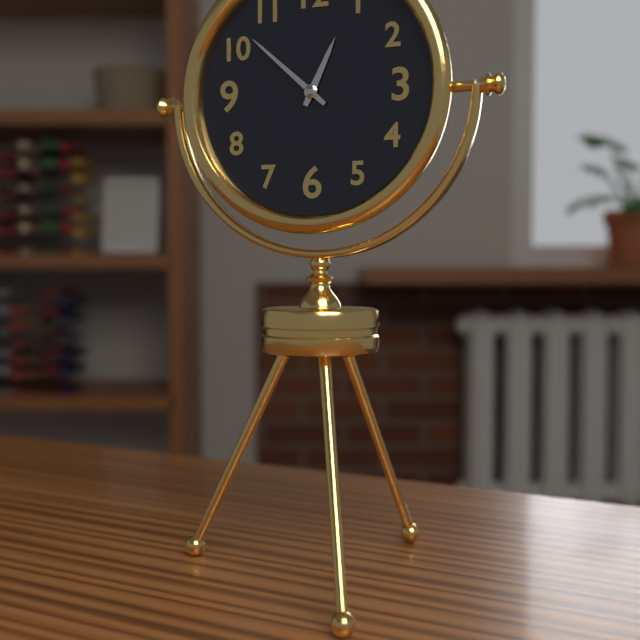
12:52
